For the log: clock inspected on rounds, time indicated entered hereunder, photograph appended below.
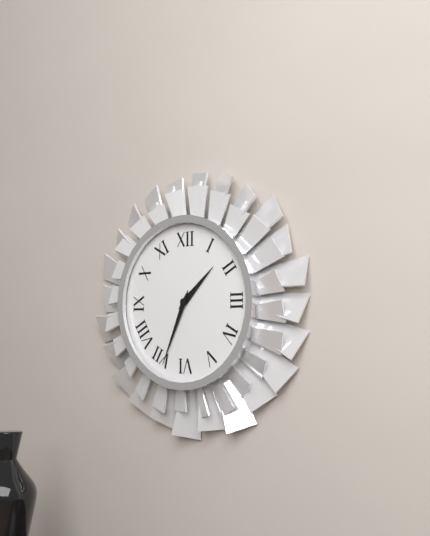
1:34
